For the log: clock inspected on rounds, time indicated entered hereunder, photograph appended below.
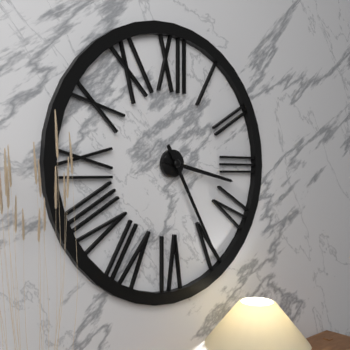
3:25
